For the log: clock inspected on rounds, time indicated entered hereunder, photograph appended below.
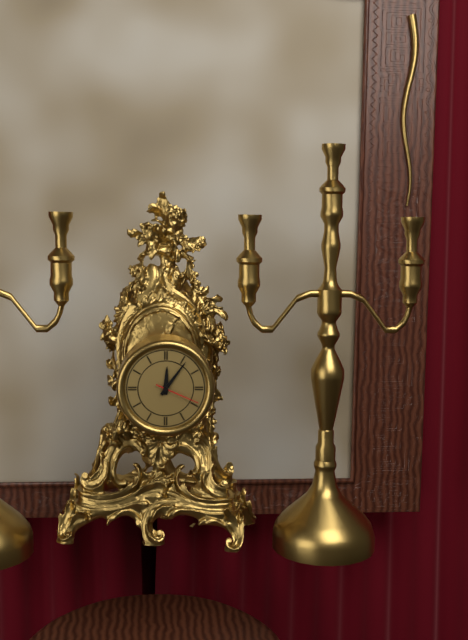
12:06
